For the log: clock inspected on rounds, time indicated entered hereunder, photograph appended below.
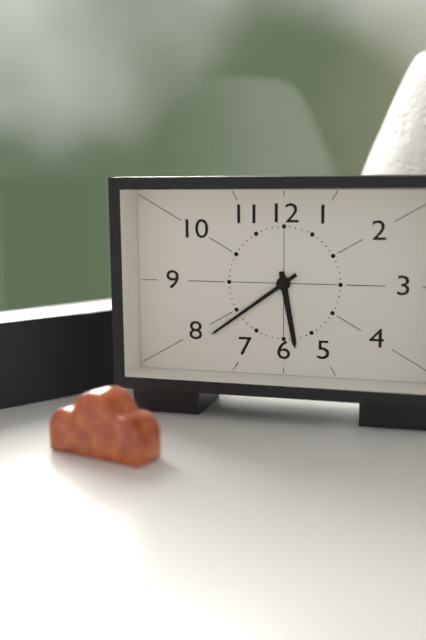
5:39
